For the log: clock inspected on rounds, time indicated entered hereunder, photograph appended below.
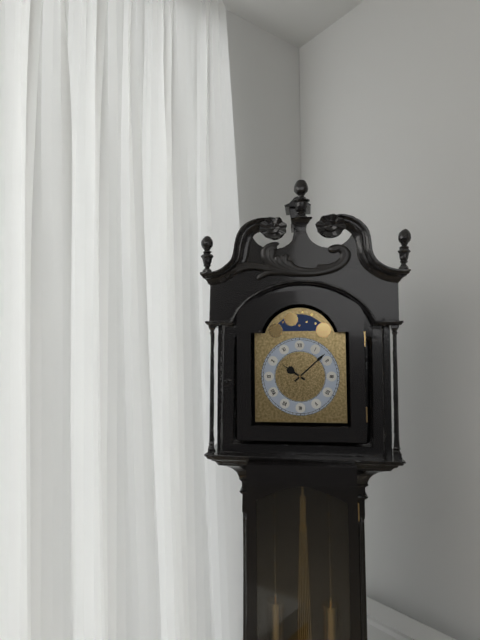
10:08
